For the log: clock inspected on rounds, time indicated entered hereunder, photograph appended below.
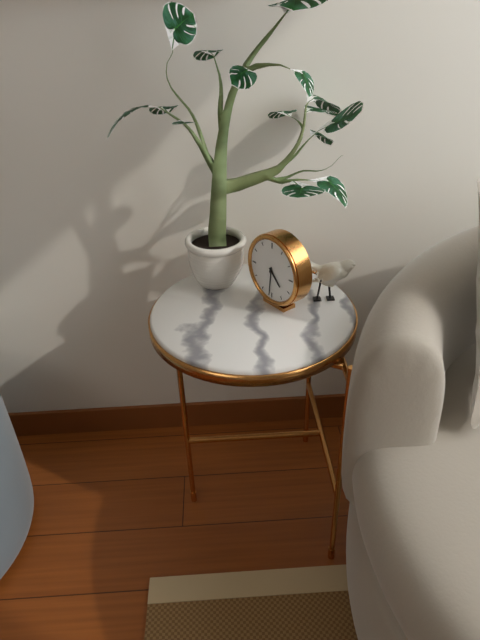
4:31
